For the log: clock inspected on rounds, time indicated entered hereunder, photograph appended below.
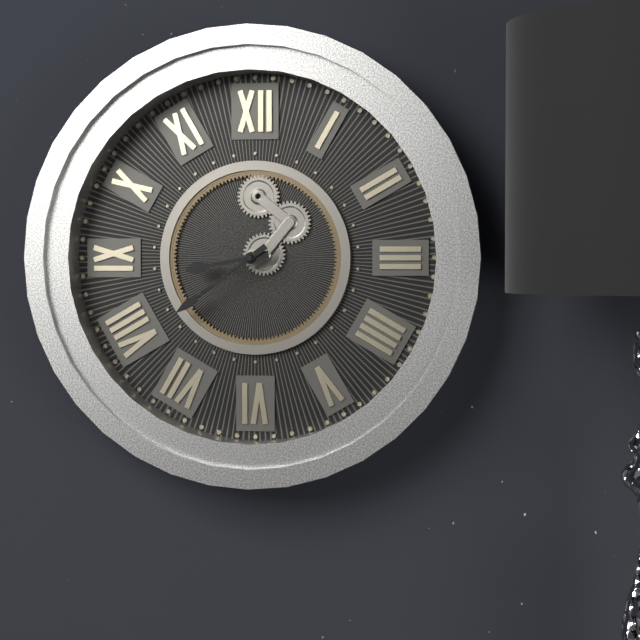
8:39
